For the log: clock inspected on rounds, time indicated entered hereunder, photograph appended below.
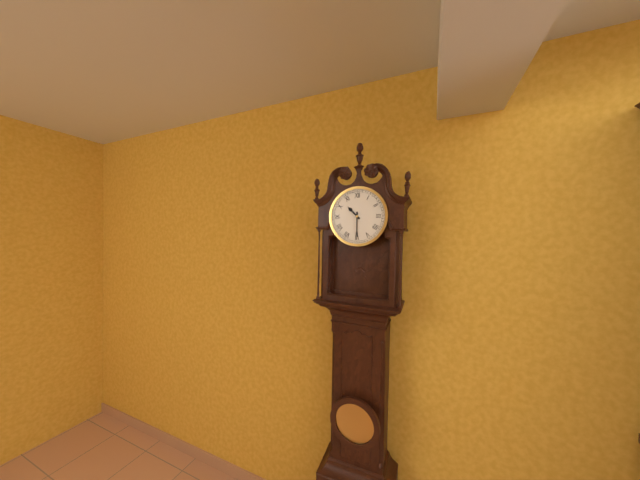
10:30
